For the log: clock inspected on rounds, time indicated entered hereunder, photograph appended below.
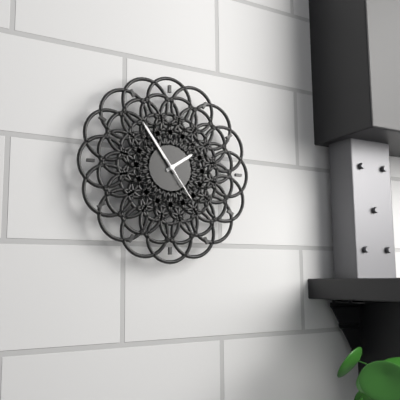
1:54
